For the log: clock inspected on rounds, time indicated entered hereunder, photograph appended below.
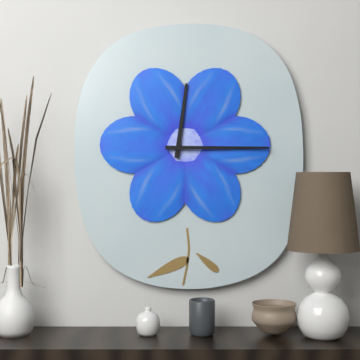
12:15
